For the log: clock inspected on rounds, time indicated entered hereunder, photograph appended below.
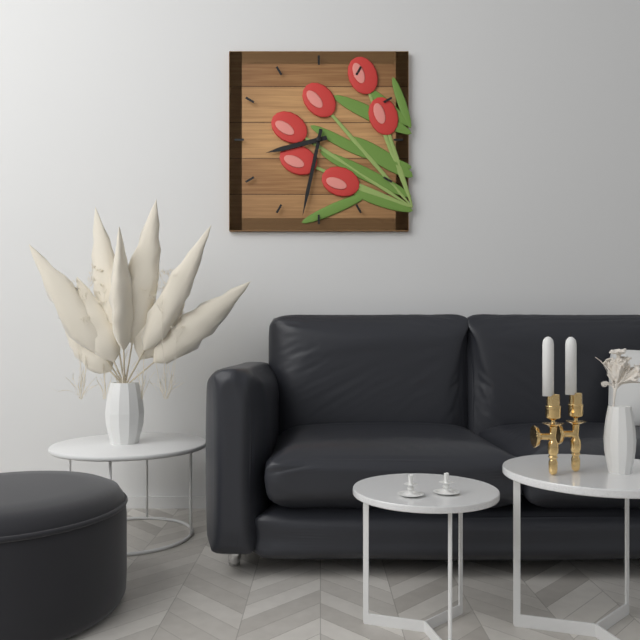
8:32
